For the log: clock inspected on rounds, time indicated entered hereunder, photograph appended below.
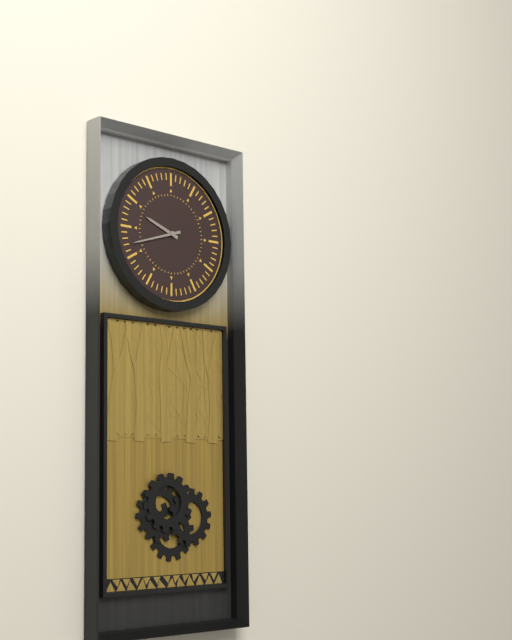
9:42
